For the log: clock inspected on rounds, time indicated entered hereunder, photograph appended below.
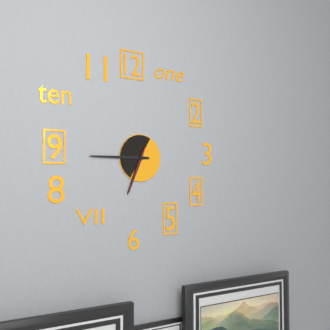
6:45
